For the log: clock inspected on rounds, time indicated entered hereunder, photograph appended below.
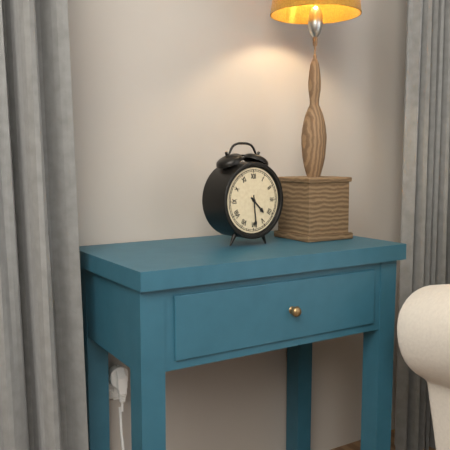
4:29
